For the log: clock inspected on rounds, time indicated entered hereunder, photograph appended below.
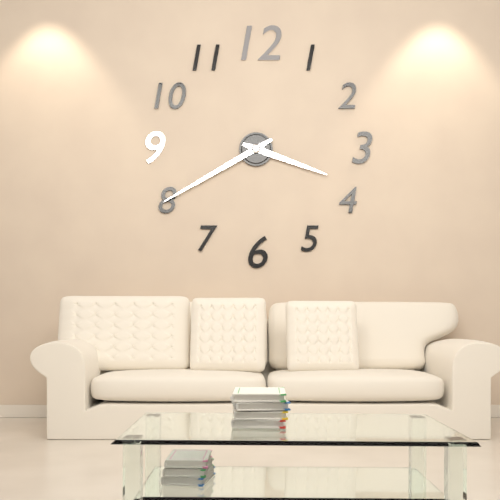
3:40
